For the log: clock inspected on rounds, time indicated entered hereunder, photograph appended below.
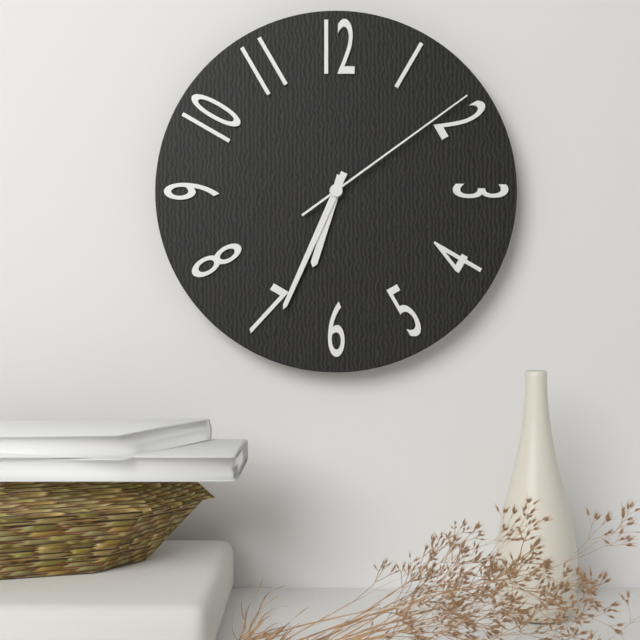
6:34:09
